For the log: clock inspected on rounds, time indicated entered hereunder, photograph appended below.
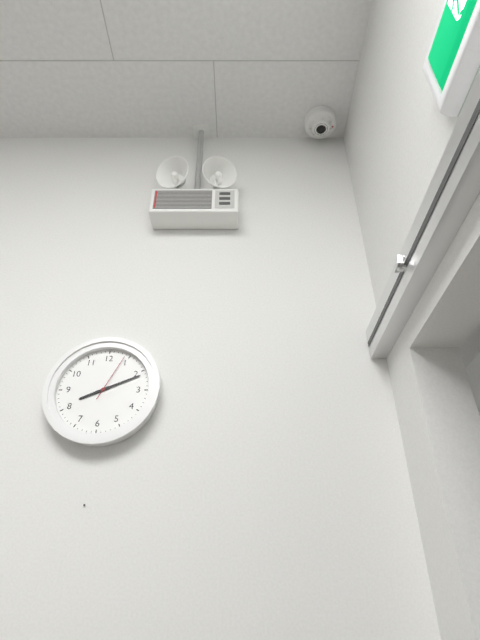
8:11
